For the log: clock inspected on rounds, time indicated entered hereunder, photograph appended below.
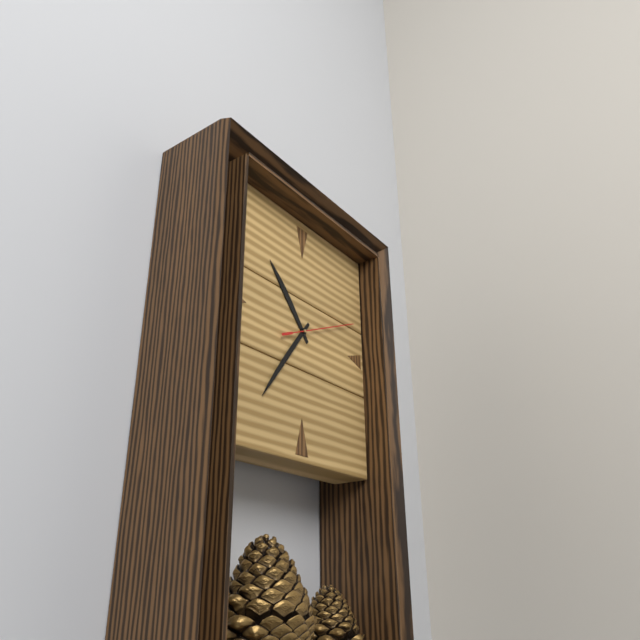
10:36:11
